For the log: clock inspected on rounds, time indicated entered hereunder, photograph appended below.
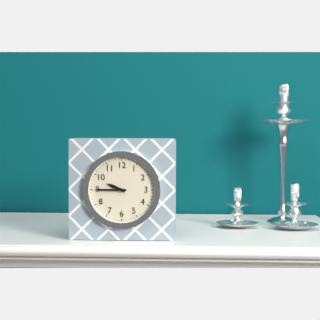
9:45
